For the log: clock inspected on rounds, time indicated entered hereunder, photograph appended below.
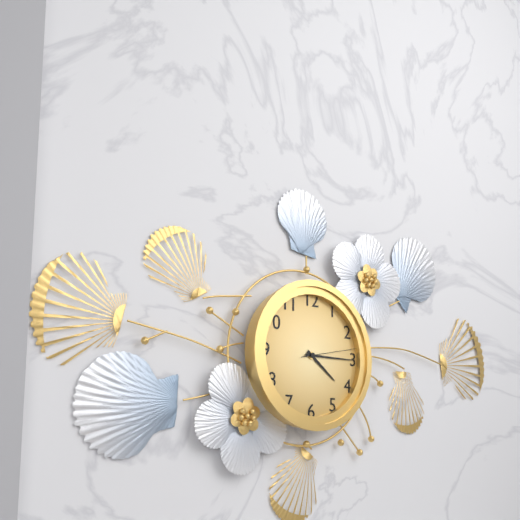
4:15:13
